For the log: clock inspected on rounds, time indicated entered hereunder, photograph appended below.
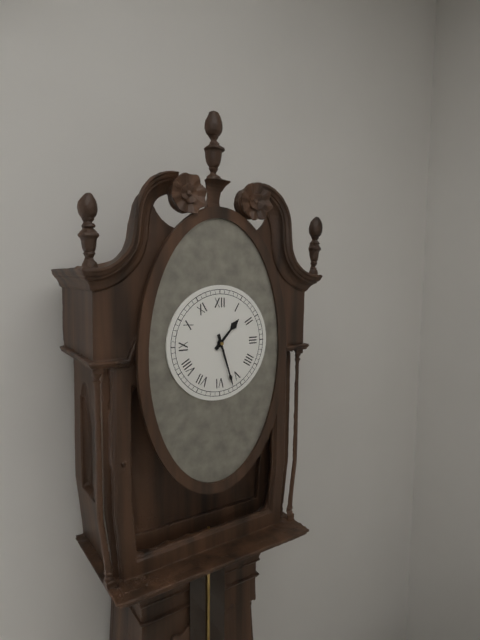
1:27
